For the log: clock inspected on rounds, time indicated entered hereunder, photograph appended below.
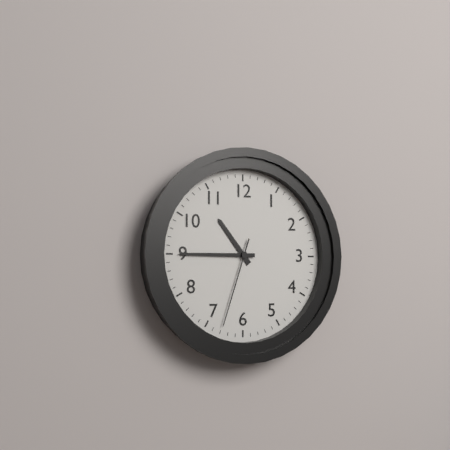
10:45:33
